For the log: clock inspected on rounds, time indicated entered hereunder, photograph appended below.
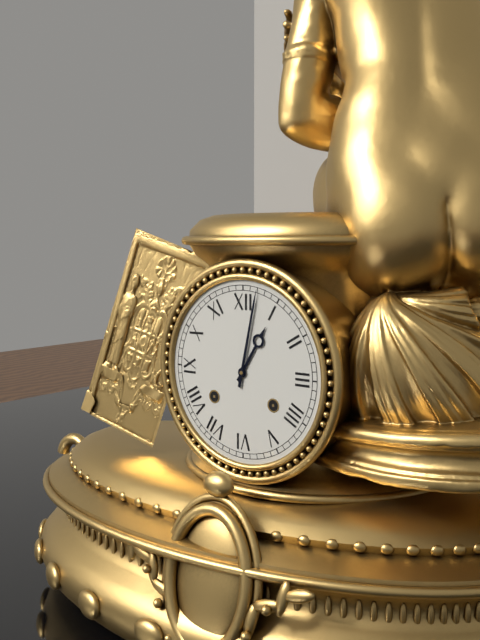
1:02
